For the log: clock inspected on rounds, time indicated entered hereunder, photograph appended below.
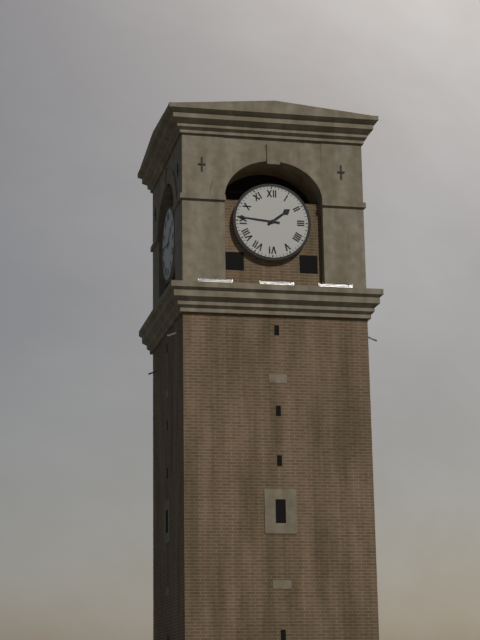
1:46
